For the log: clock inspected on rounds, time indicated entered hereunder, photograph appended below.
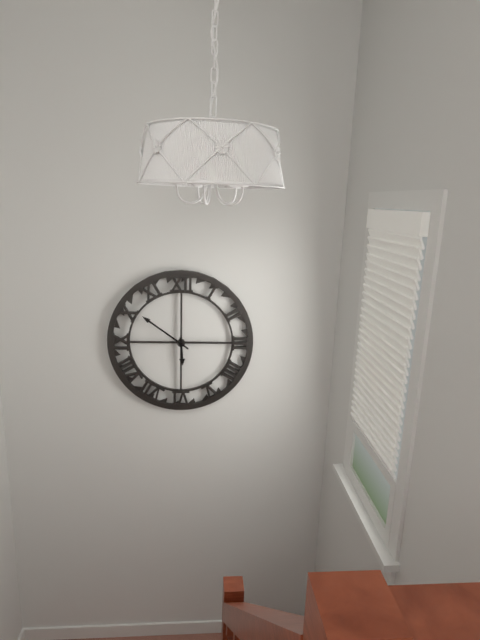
5:51
